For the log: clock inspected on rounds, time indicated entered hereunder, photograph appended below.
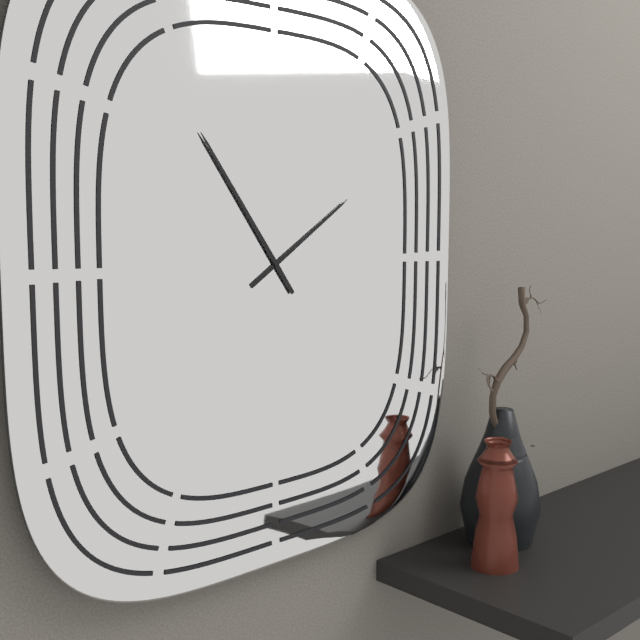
1:54
